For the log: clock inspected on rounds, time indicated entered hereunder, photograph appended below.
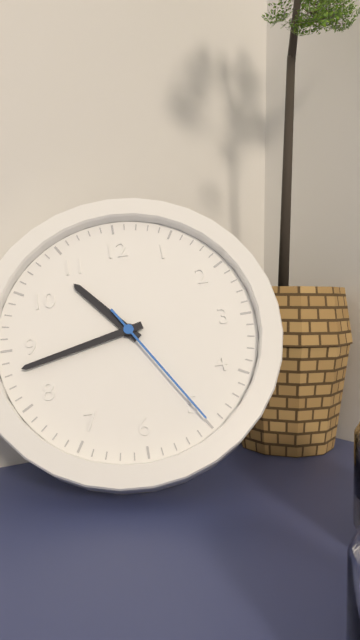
10:43:25
